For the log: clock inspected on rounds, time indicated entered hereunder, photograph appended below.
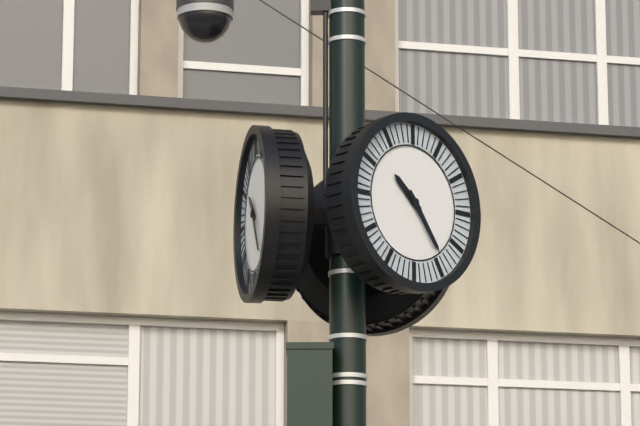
10:24
